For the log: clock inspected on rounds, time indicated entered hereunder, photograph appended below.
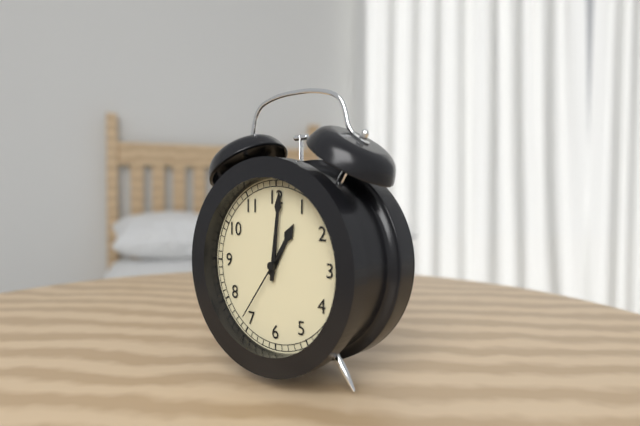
1:01:36
